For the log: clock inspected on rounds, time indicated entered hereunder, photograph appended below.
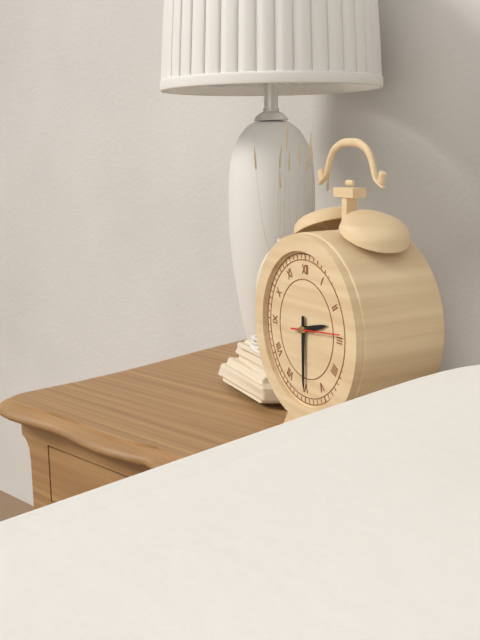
2:30
